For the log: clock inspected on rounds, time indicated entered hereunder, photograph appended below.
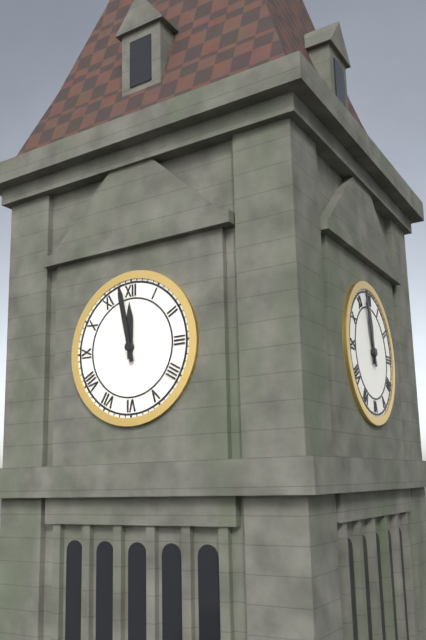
11:58
